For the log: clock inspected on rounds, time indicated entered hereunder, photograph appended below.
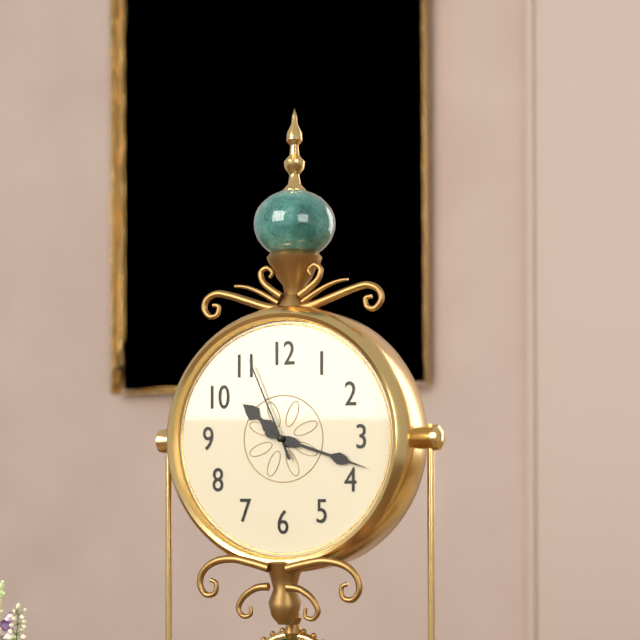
10:18:56
